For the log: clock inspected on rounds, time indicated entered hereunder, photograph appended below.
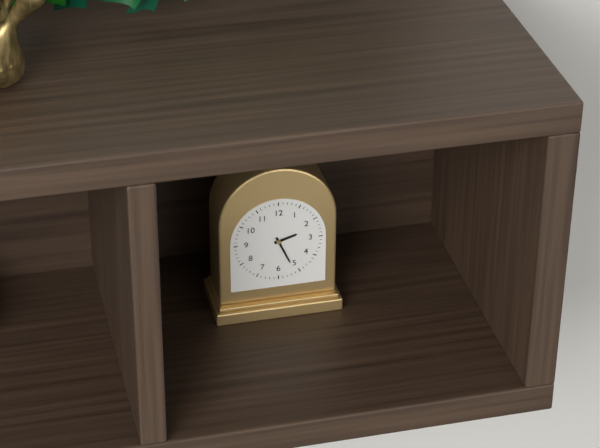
2:26
